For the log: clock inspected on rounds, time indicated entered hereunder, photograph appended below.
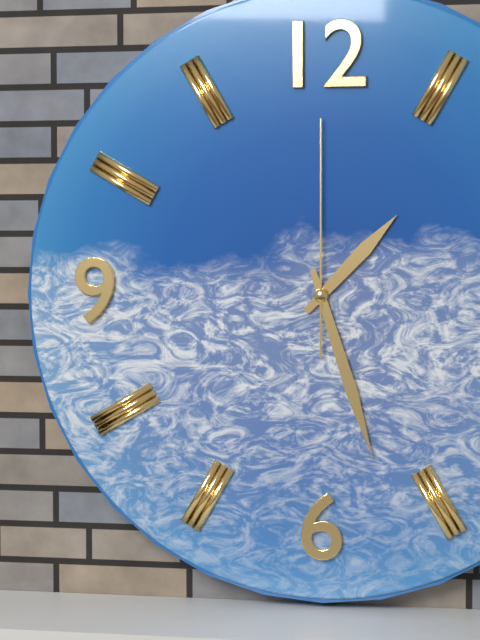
1:27:00
